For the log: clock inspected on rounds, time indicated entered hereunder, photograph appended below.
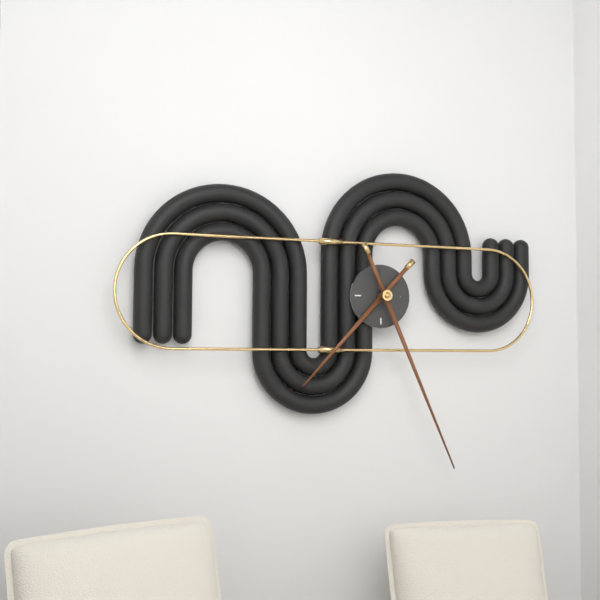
7:26
